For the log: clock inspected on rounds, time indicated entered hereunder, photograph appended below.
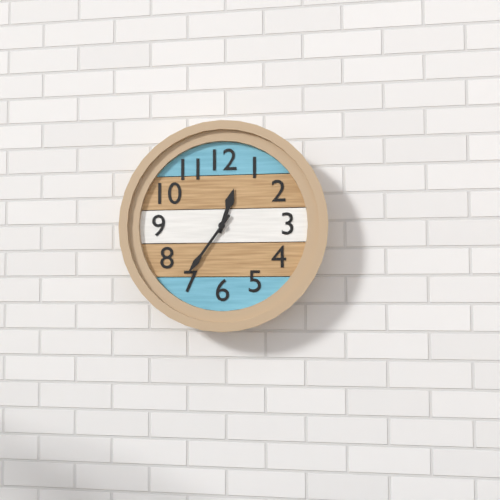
12:36
